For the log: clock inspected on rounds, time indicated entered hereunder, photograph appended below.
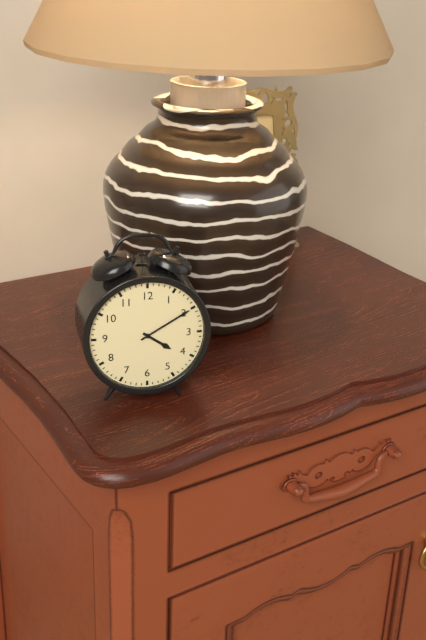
4:10
